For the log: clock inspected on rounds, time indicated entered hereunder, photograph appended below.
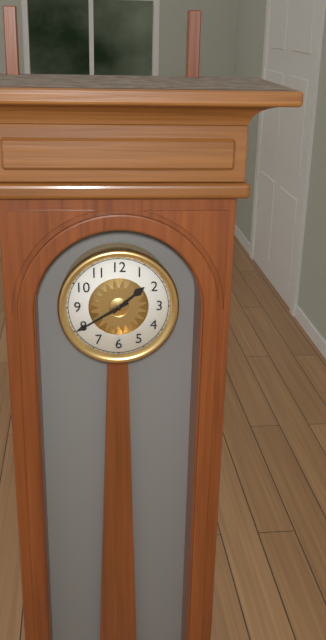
1:40
